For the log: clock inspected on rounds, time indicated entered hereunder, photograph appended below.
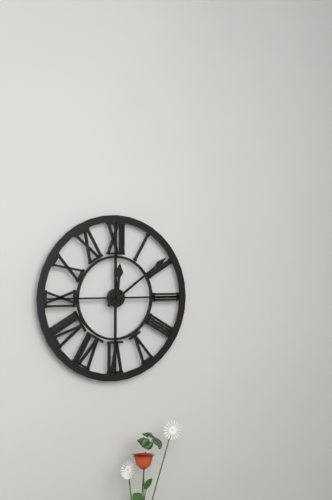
12:09
